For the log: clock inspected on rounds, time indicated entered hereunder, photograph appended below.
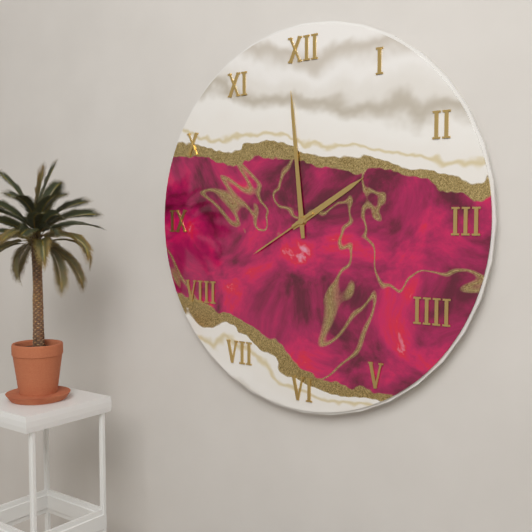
1:59:40
